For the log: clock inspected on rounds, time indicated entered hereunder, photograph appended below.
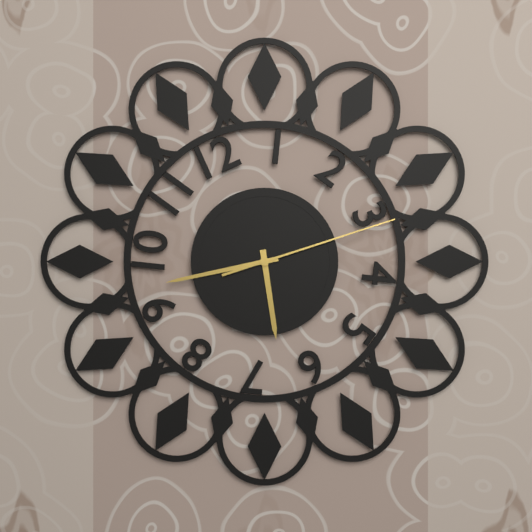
5:43:12
